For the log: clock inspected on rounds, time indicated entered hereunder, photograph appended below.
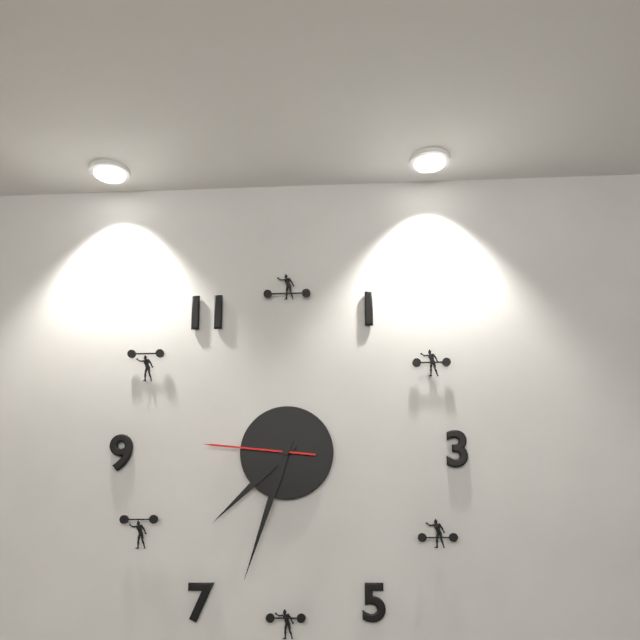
7:33:46
